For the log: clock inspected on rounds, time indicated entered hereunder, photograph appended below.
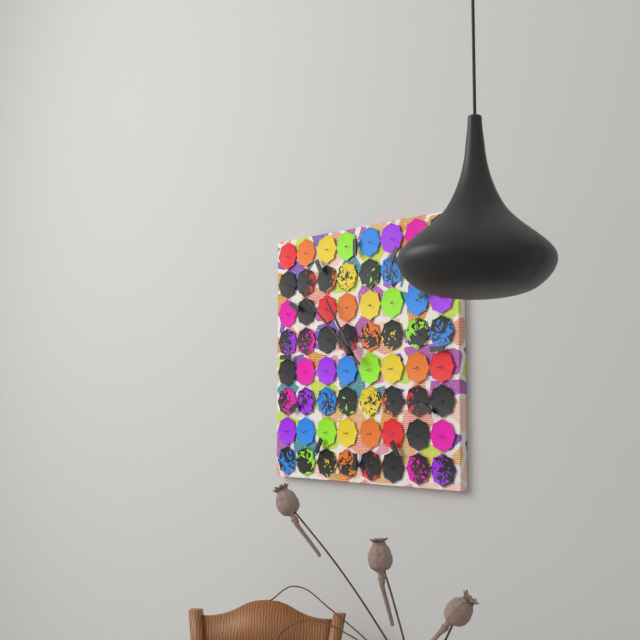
10:52
